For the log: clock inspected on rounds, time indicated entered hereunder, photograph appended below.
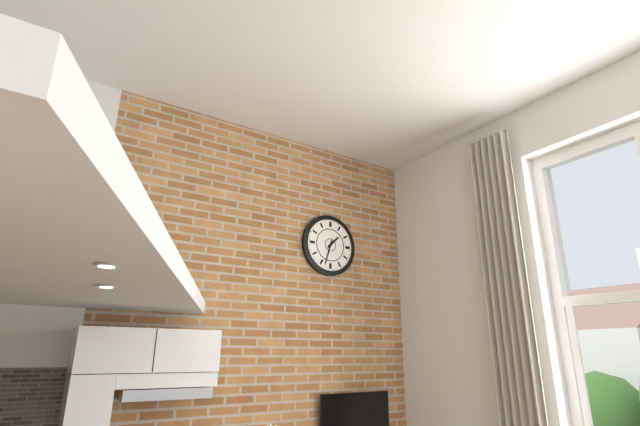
1:33
